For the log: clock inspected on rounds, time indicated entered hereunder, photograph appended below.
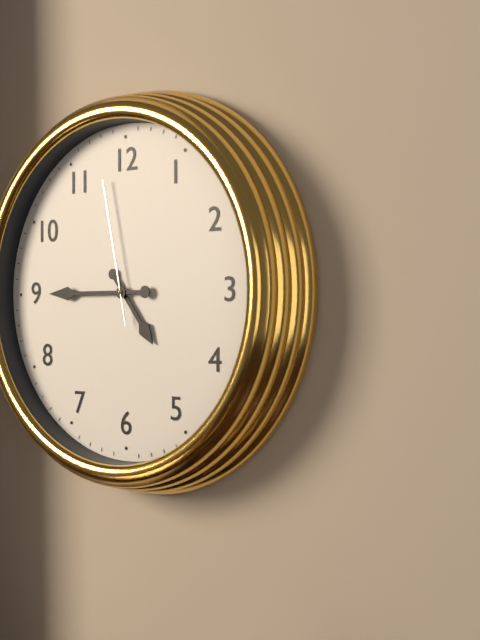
4:45:58
